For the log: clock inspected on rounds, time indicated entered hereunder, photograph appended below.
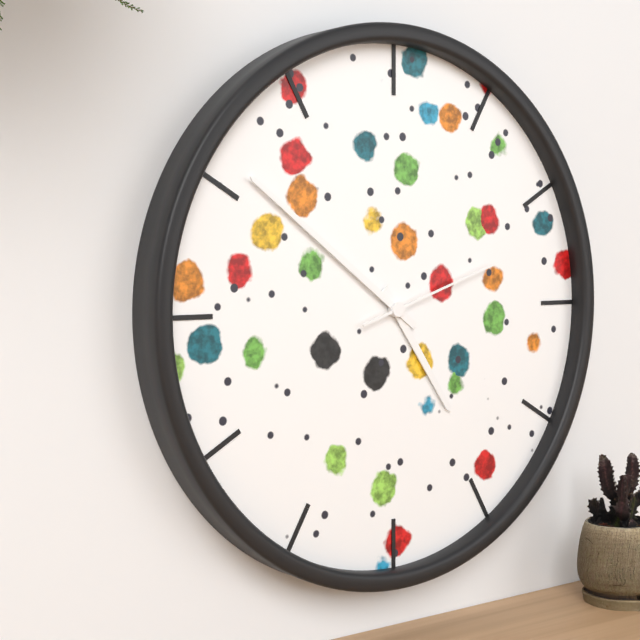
4:51:12
